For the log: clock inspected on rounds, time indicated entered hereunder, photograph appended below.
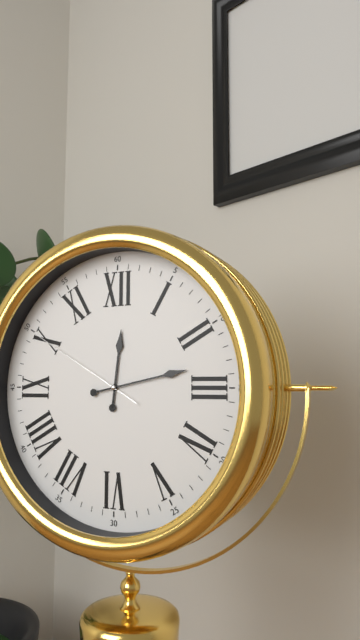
12:13:50
